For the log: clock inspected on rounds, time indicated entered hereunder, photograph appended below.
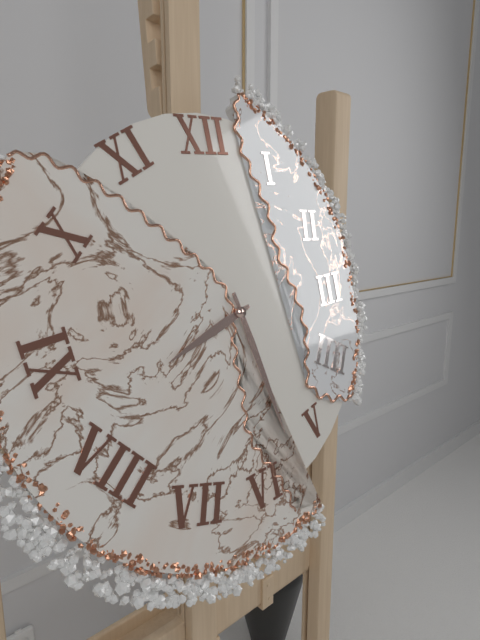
8:28
